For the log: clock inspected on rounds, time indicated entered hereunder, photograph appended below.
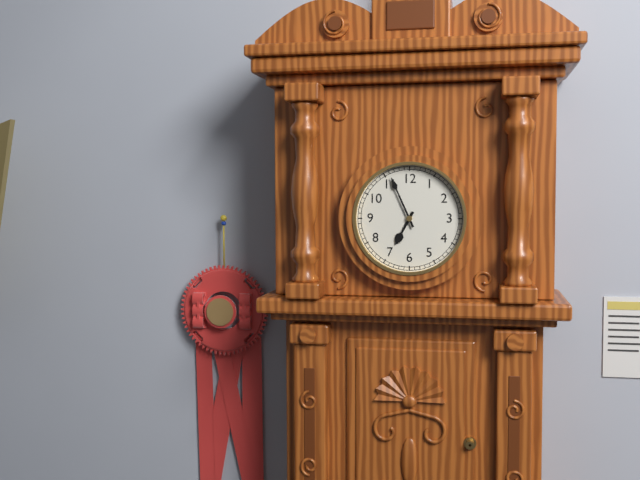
6:56
